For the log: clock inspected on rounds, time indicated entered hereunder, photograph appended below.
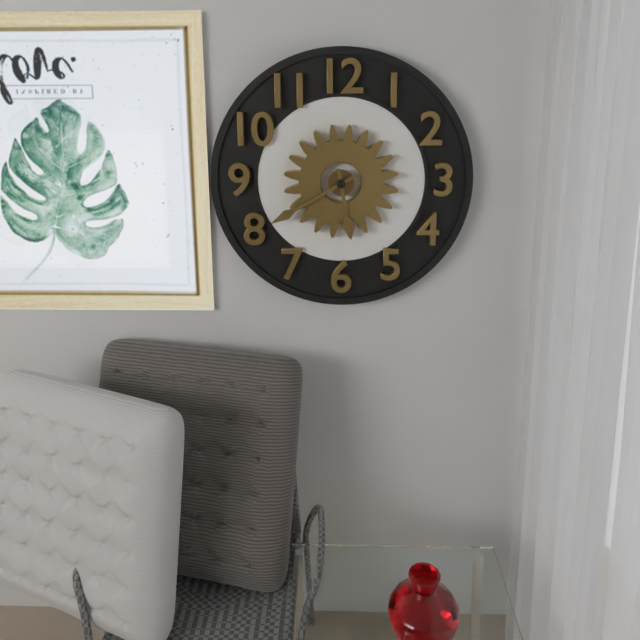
5:40
